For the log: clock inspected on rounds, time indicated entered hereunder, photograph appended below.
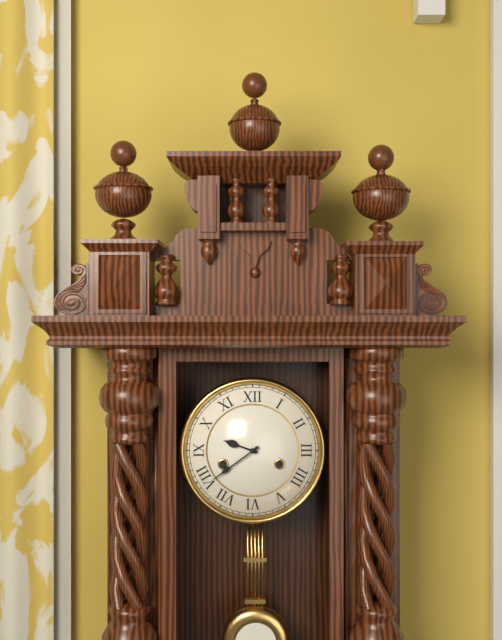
9:39
